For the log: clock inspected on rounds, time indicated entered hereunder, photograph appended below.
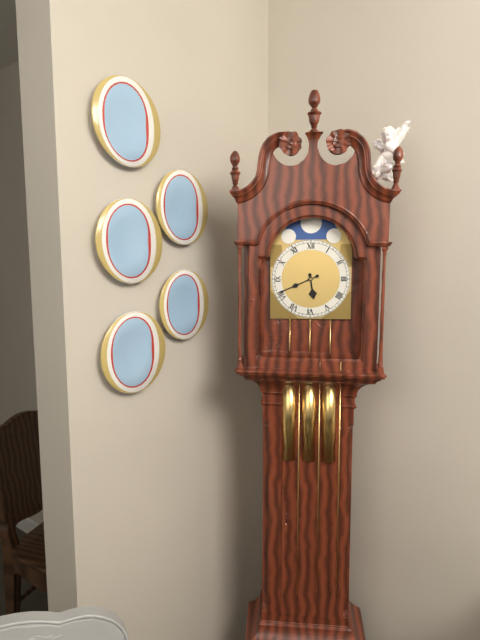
5:41
